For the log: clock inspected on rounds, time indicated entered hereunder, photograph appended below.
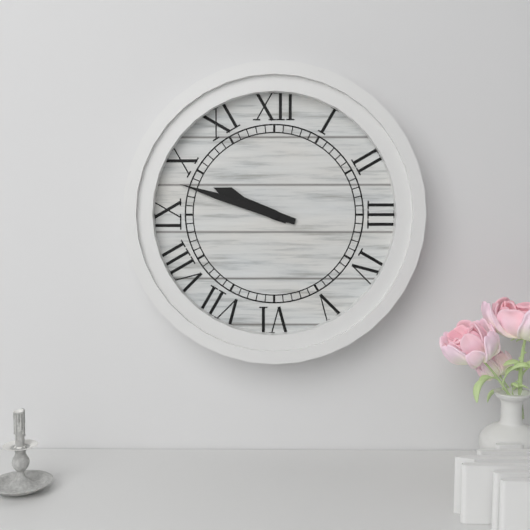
9:48
